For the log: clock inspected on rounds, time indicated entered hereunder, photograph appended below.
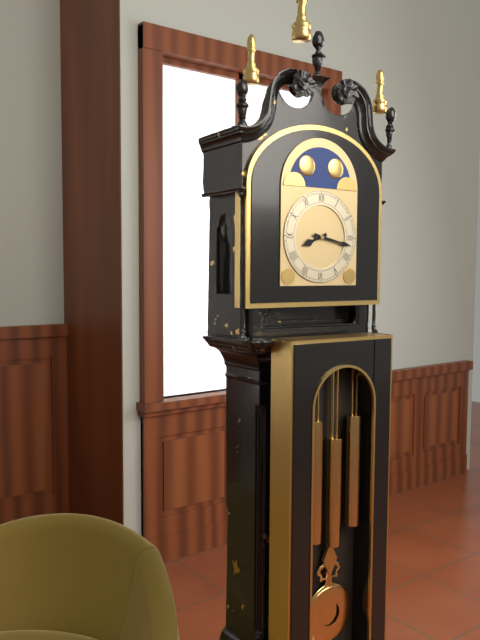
8:17
